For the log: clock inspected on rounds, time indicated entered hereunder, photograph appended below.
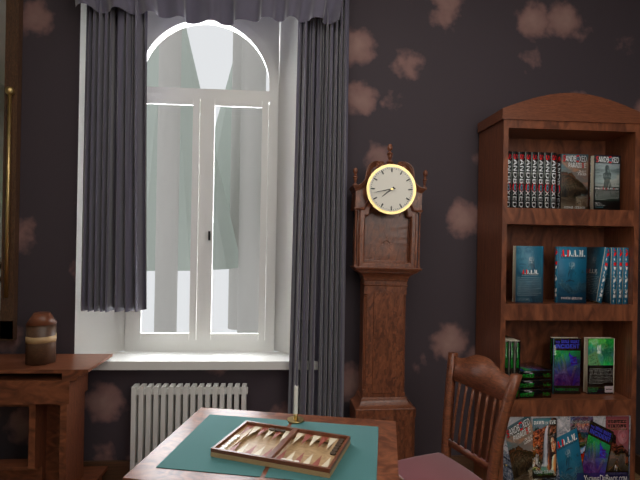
7:43
